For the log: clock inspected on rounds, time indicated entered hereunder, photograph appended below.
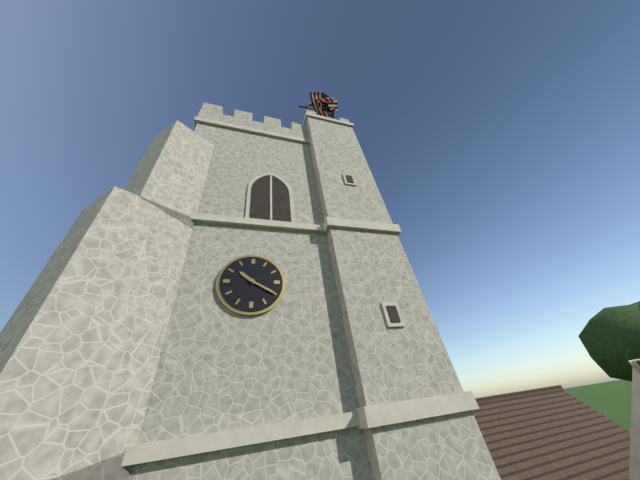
10:20
